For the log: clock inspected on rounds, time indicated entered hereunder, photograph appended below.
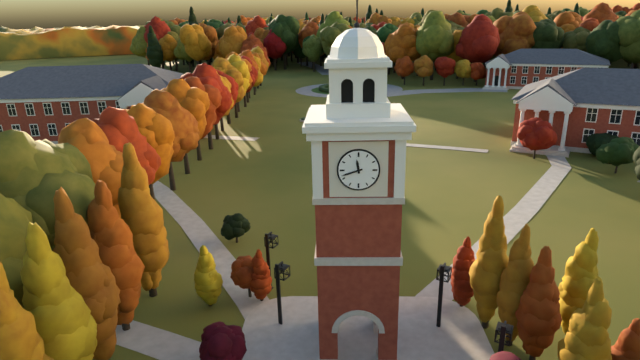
11:42
